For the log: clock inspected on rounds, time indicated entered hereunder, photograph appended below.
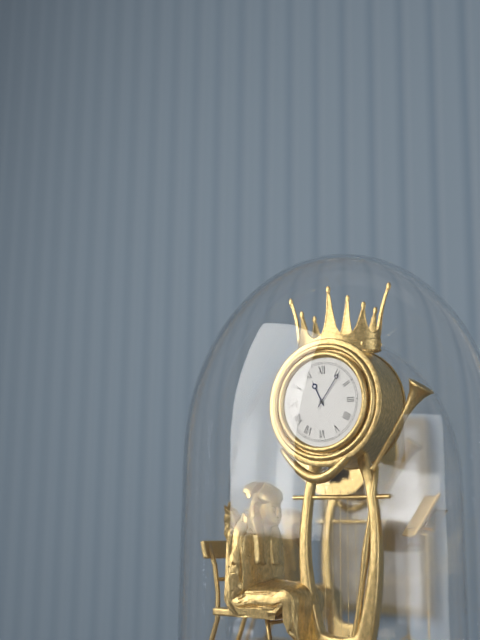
11:06
